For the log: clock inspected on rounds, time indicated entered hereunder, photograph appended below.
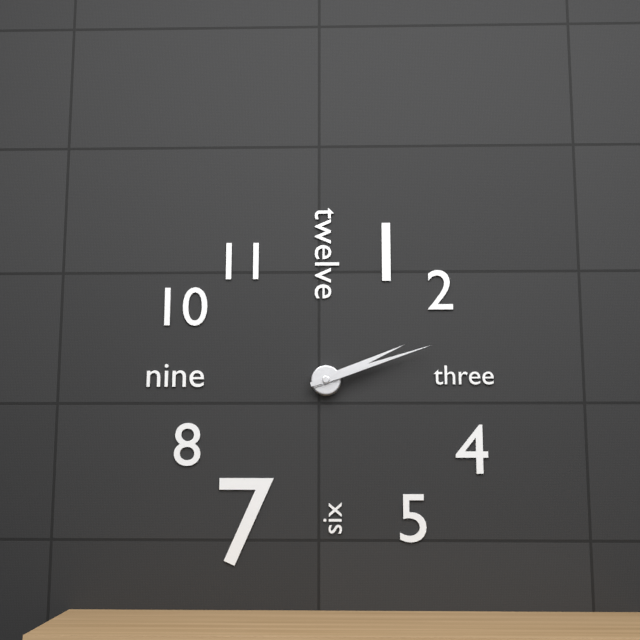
2:12
